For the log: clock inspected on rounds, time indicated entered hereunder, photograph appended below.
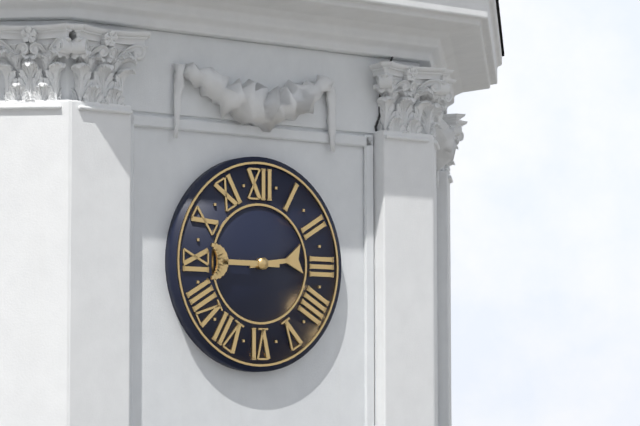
2:45
